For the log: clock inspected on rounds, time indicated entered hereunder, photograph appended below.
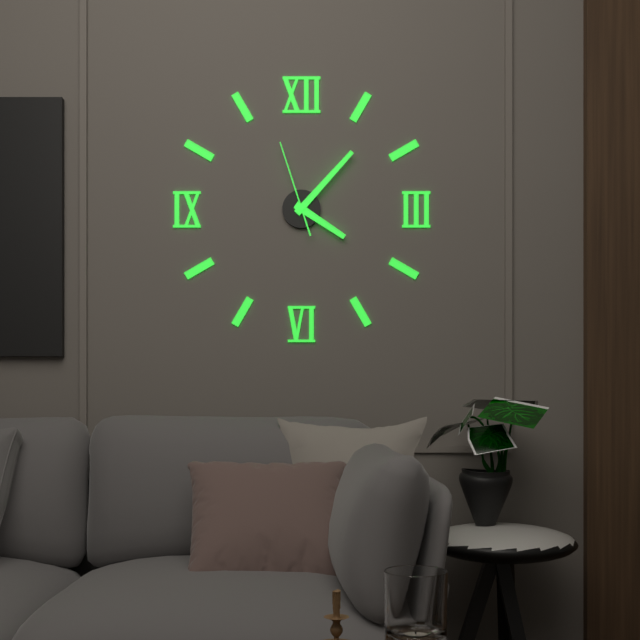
4:07:57
